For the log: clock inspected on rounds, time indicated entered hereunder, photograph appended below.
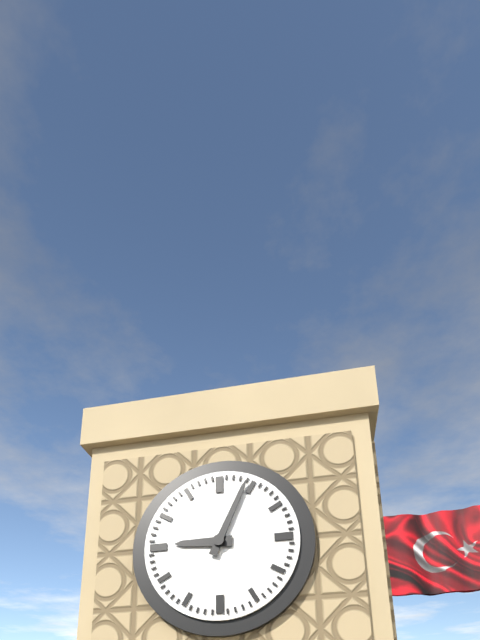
9:04
